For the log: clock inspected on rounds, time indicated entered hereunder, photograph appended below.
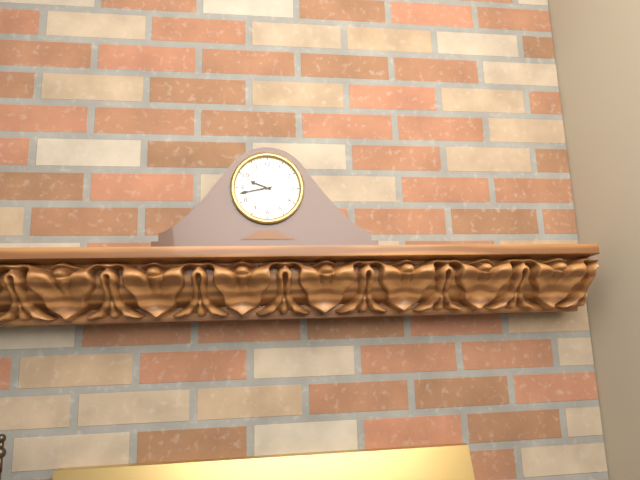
9:43
